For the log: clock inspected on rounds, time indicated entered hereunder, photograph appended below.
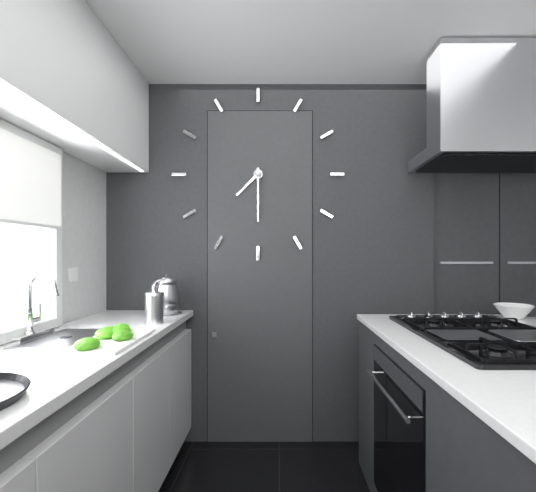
7:30
